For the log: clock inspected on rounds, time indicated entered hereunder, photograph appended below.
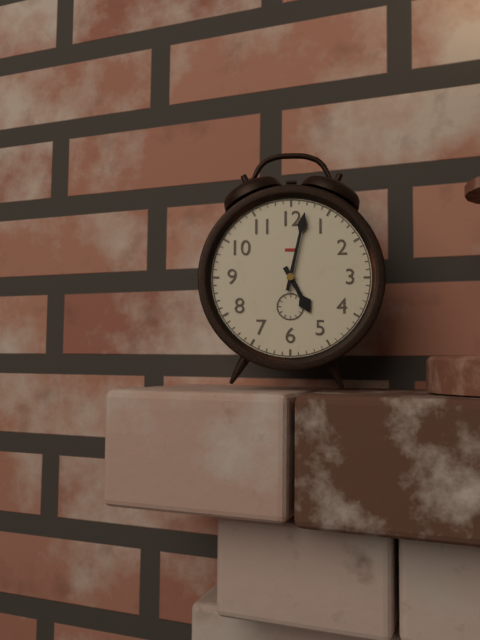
5:02
